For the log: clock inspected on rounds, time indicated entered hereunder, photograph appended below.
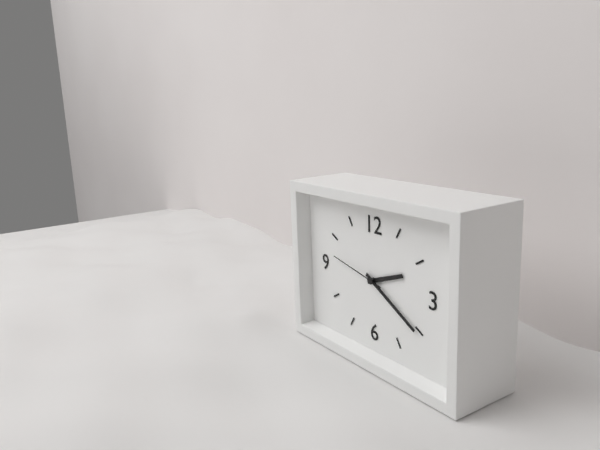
2:20:47
